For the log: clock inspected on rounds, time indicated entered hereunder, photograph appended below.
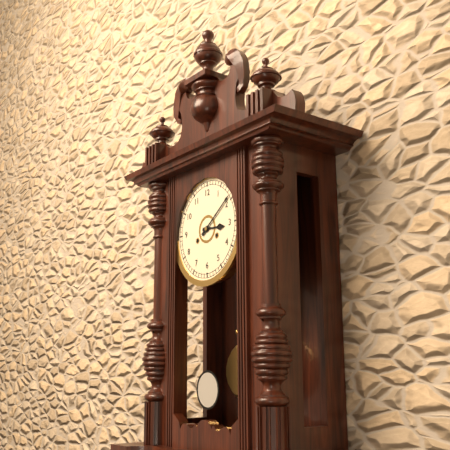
3:09
